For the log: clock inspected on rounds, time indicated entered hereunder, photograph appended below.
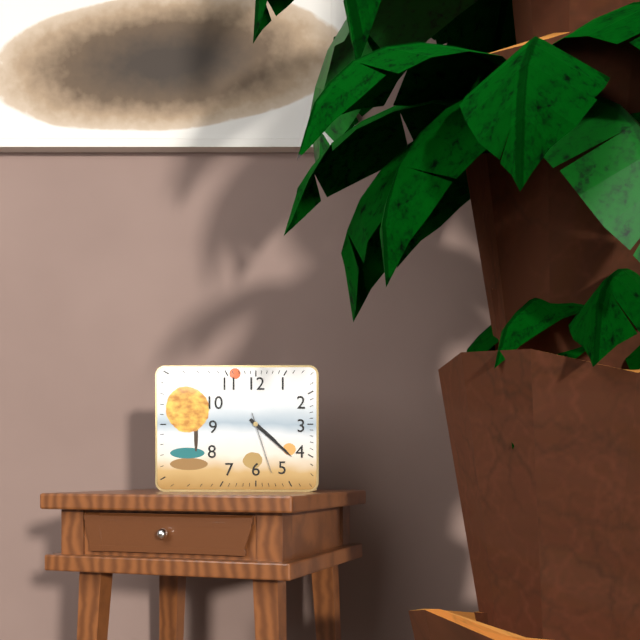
4:22:27
